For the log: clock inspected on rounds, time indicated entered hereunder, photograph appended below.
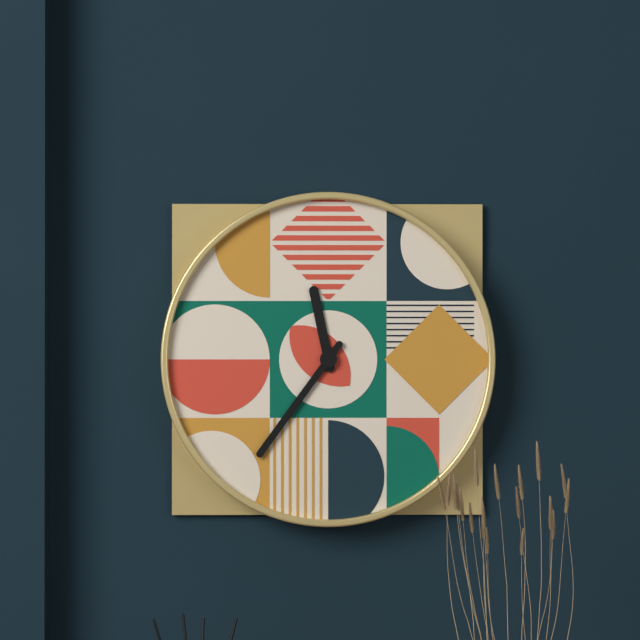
11:36
